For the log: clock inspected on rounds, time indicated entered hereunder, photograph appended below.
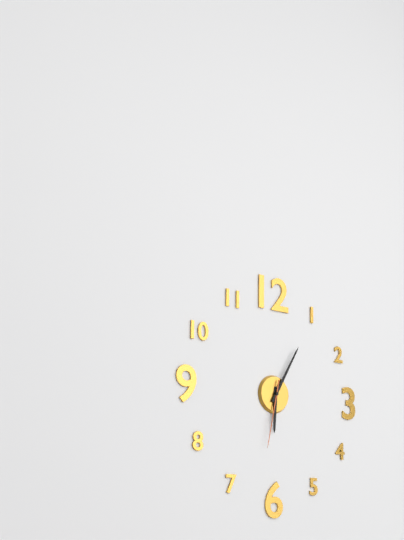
6:05:32
